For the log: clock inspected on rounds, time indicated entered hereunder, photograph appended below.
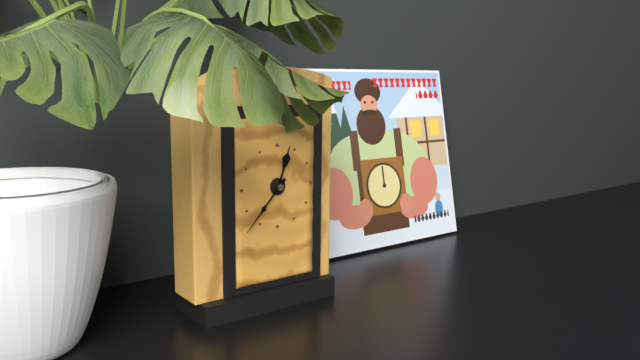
12:37
